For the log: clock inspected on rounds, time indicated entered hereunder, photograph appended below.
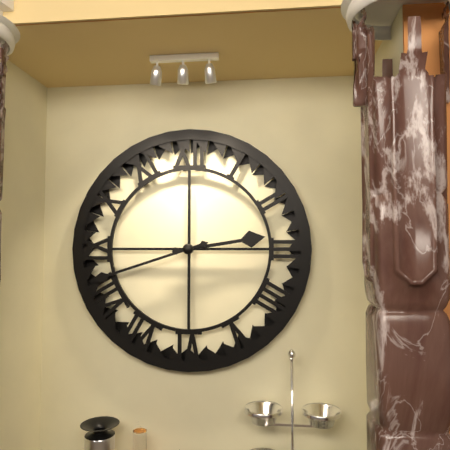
2:42
